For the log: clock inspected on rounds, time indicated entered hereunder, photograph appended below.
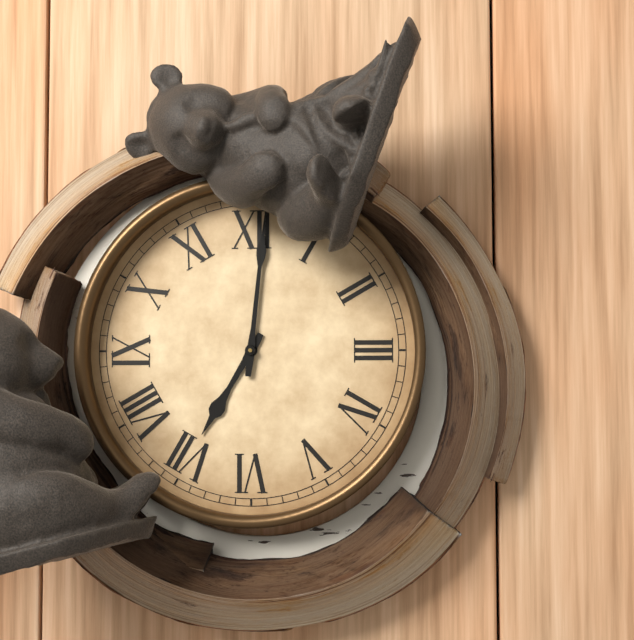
7:01
